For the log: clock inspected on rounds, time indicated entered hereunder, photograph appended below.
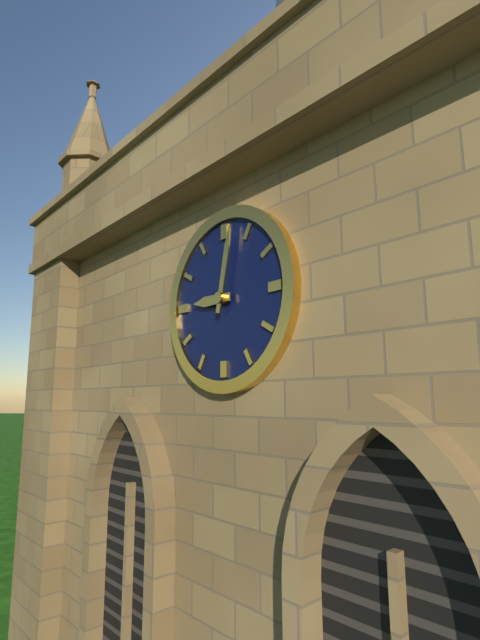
9:02
